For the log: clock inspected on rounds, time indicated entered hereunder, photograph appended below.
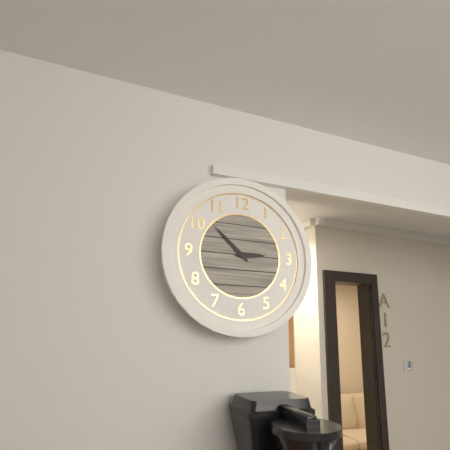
2:52
